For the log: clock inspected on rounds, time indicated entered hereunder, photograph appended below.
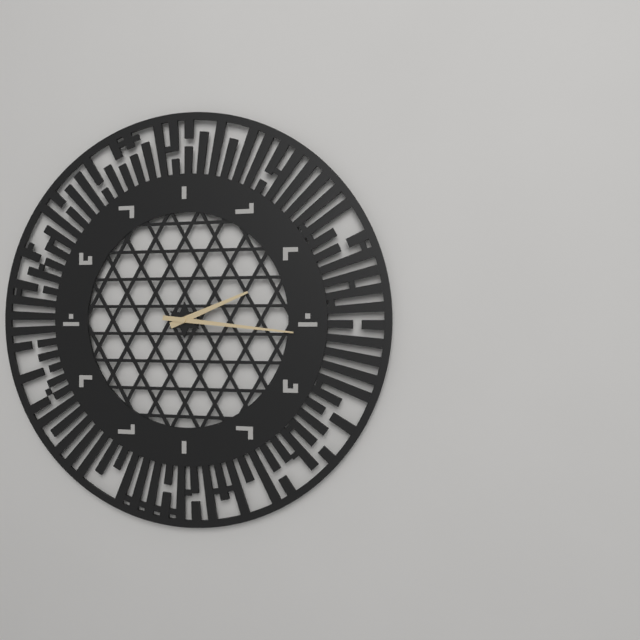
2:16
